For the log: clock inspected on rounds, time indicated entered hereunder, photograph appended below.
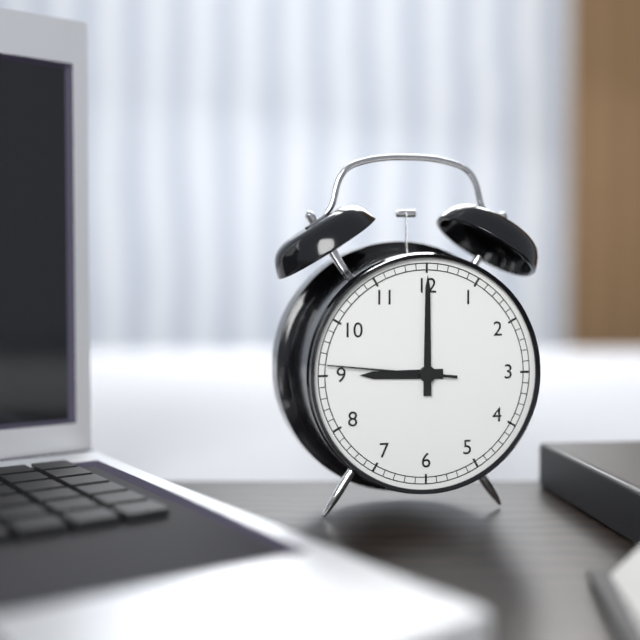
9:00:46
